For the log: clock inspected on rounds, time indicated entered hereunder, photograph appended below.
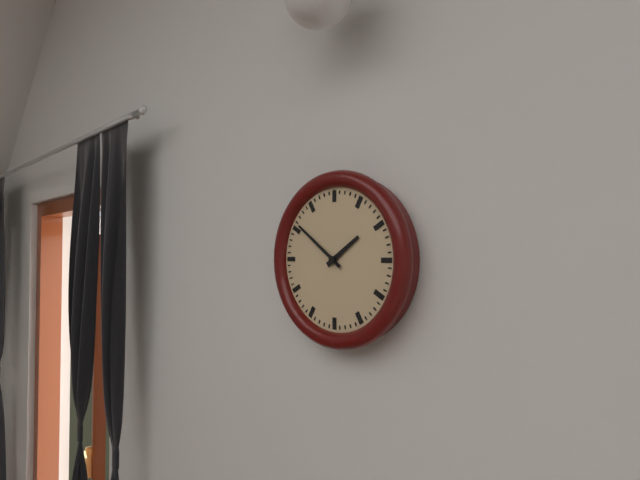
1:51
